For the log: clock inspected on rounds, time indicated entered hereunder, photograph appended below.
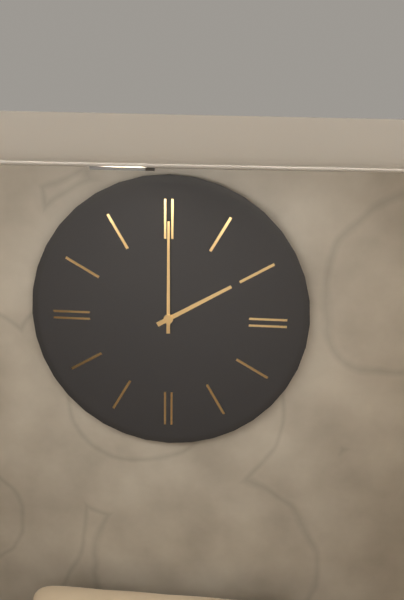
2:00
